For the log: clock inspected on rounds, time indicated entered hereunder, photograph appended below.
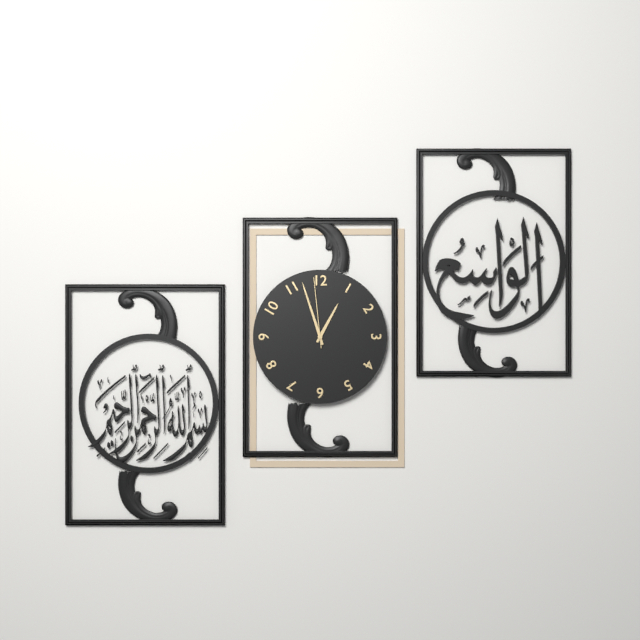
12:57:59
